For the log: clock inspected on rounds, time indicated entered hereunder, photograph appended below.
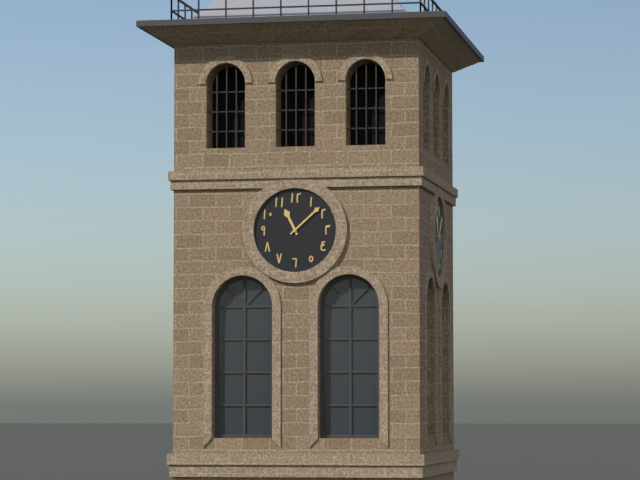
11:08
